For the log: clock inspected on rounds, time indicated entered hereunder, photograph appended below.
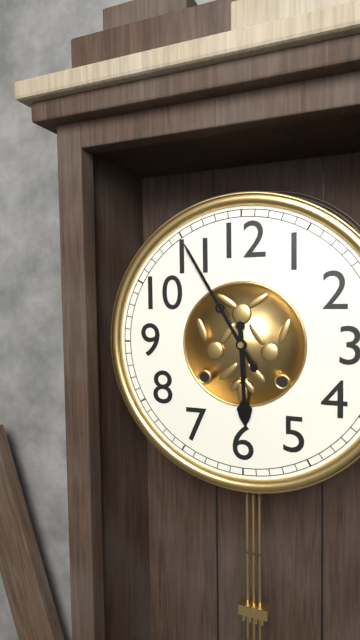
5:55
